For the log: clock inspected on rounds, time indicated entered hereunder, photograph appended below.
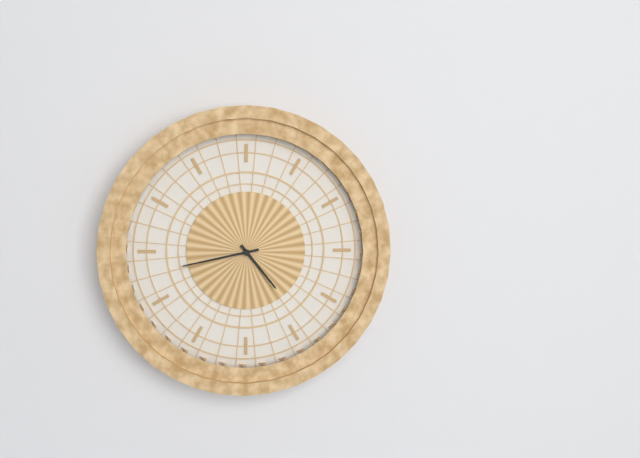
4:43
